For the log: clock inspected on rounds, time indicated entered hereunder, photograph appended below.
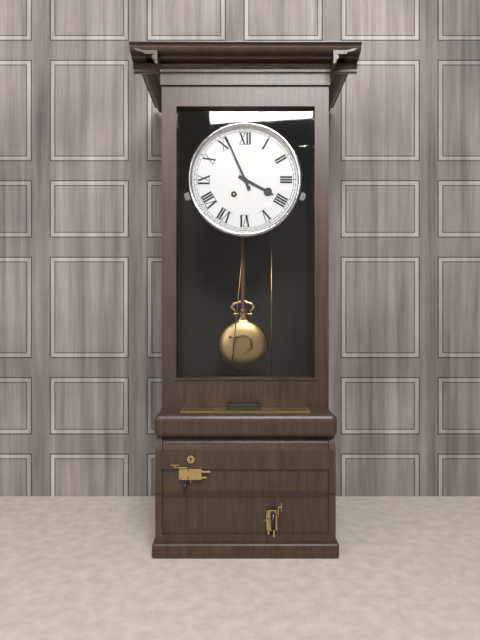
3:56
